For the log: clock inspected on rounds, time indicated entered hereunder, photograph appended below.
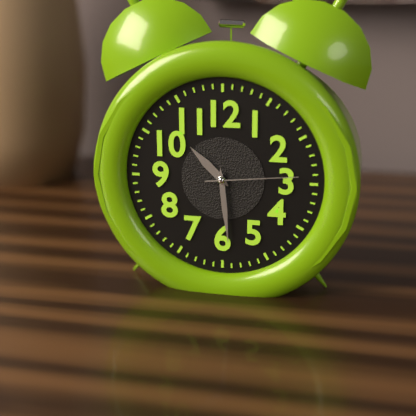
10:29:14
